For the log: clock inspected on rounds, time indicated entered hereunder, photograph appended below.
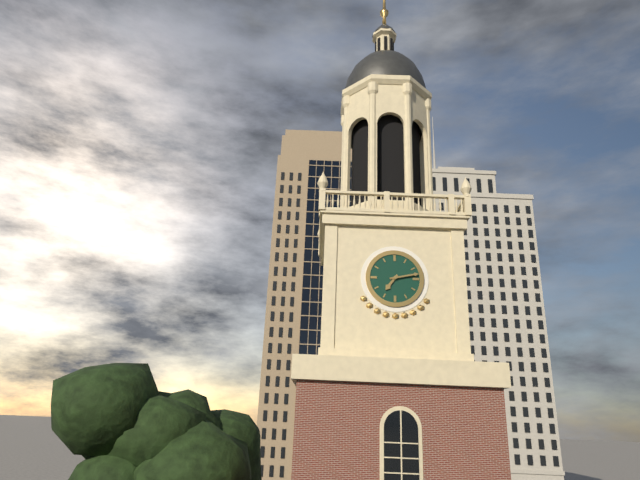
7:13
